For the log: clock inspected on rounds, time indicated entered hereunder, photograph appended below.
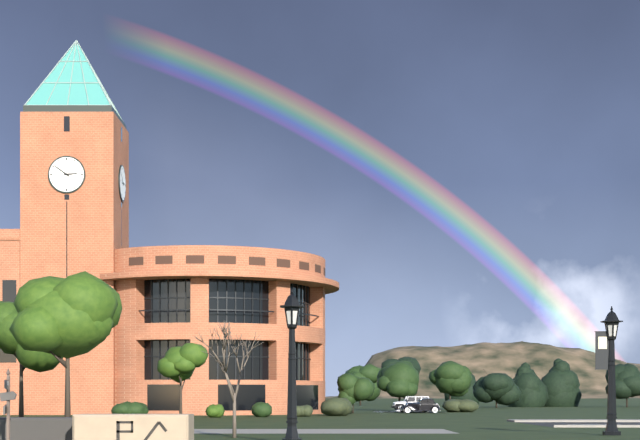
2:51
